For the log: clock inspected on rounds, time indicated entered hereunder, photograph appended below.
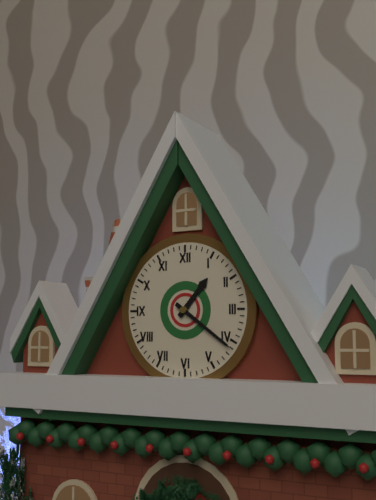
1:21
